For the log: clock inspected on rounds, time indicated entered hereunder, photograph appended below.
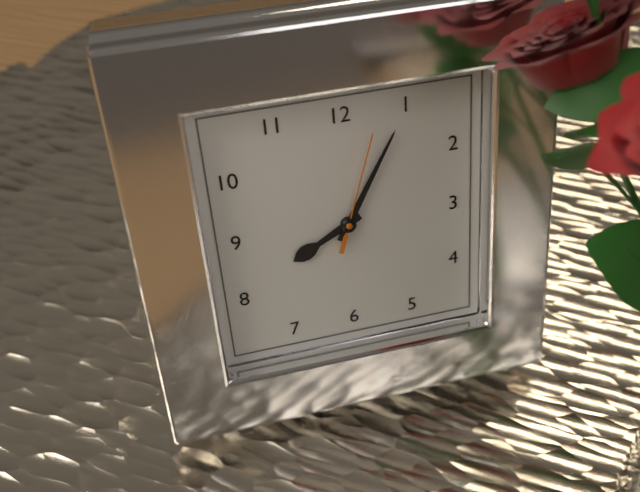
8:05:03
